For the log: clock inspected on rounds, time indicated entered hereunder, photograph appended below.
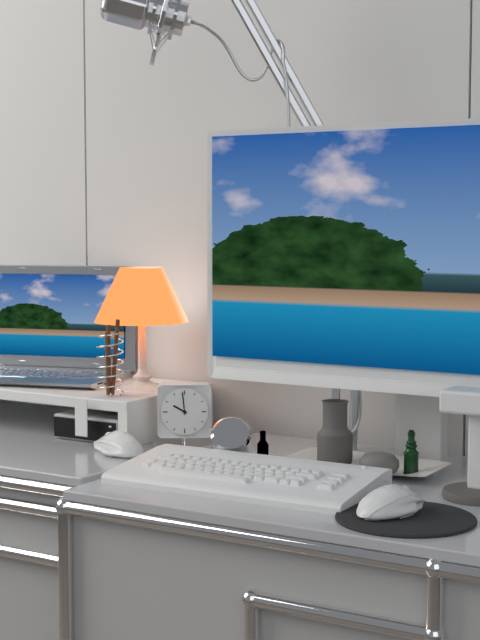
9:59
